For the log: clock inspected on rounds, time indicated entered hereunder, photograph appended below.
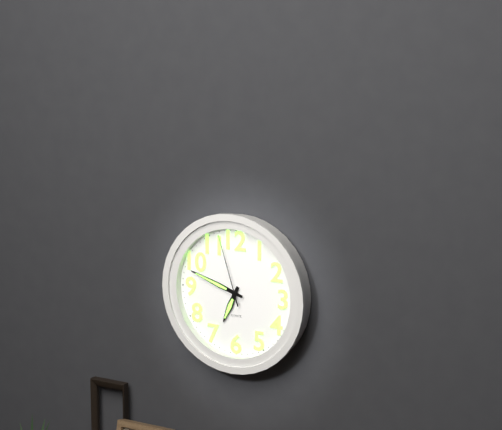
6:48:57
